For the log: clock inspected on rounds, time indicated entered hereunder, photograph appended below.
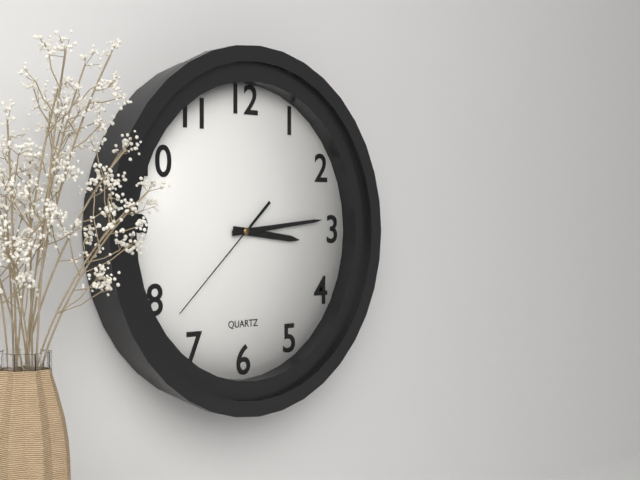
3:14:38
